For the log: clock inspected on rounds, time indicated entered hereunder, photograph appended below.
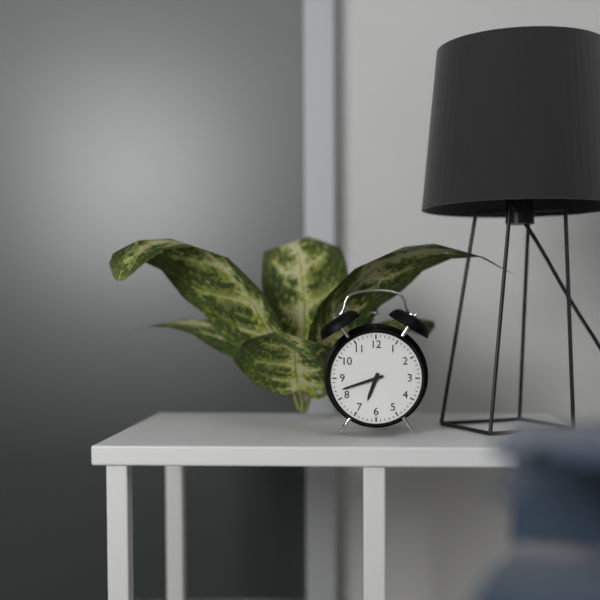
6:42
